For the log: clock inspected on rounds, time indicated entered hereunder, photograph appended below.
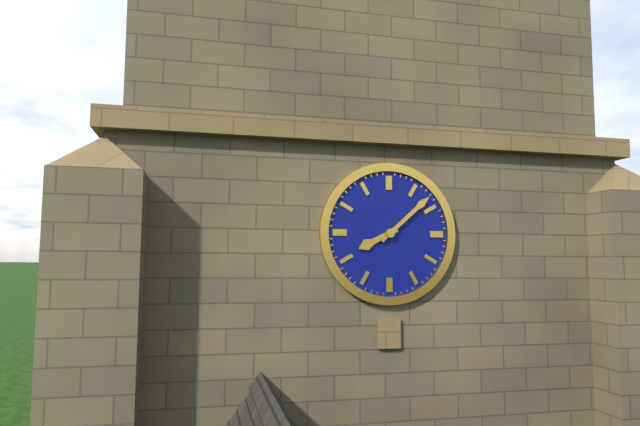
8:08
